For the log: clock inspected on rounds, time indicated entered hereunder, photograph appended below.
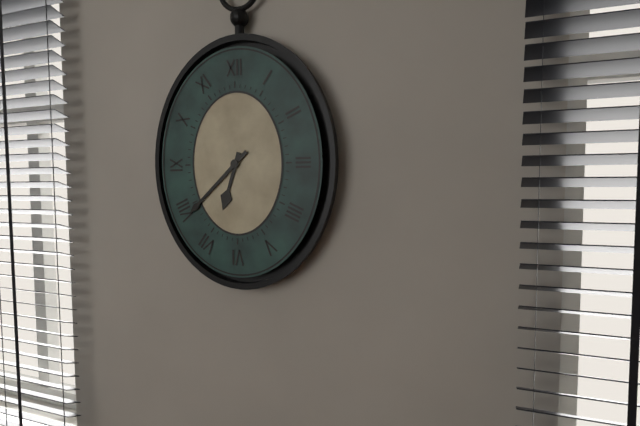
6:38
